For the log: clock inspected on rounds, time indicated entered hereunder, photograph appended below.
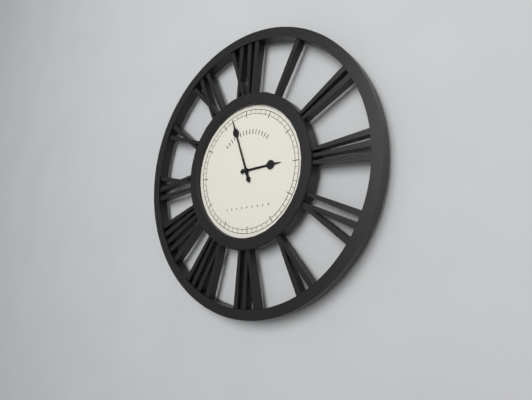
2:57
